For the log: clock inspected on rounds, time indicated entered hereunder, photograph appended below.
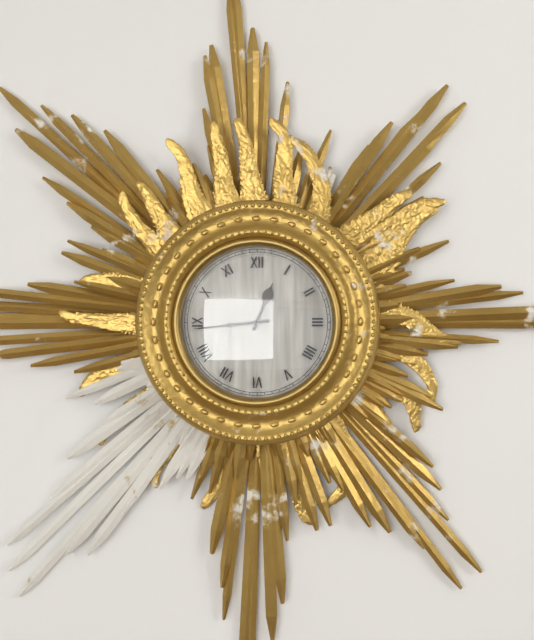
12:44
